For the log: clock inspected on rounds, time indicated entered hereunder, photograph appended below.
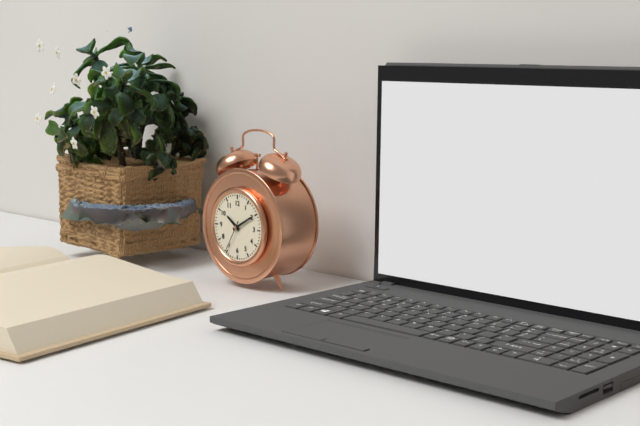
10:10
